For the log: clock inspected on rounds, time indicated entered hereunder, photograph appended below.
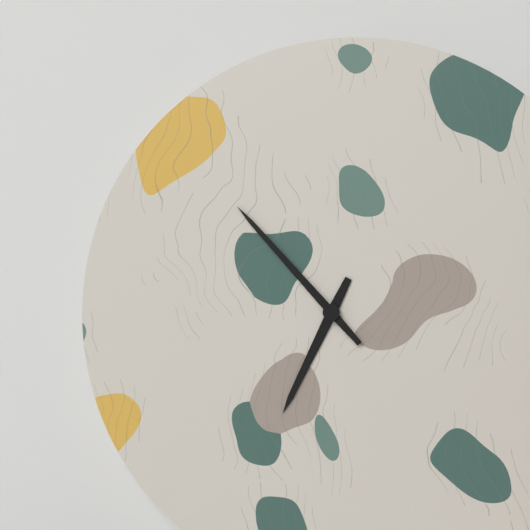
6:53
